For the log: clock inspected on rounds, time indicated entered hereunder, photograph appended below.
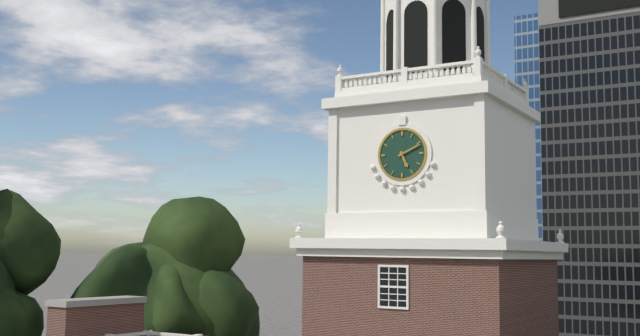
5:11
